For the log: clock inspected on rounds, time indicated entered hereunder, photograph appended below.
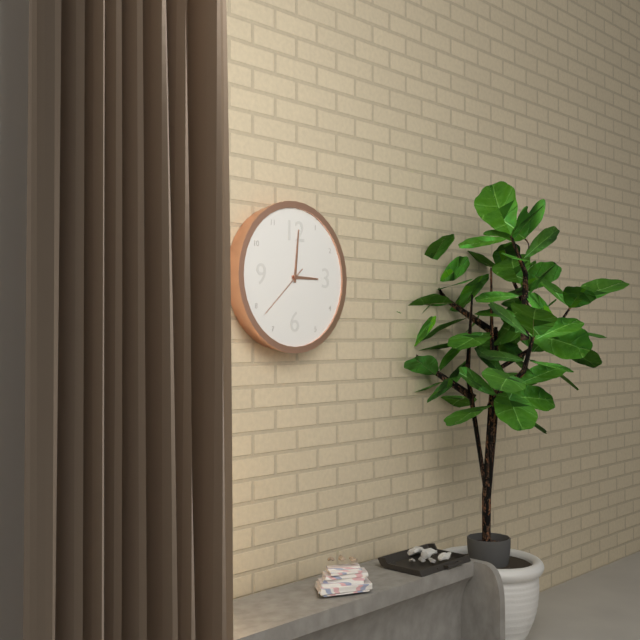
3:01:38
